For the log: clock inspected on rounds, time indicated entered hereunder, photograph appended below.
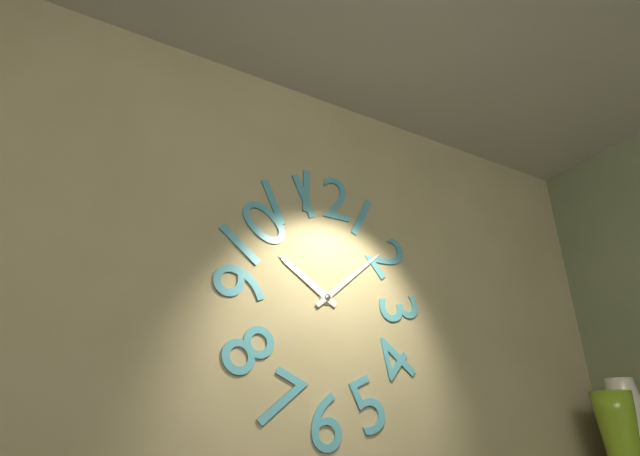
10:08
